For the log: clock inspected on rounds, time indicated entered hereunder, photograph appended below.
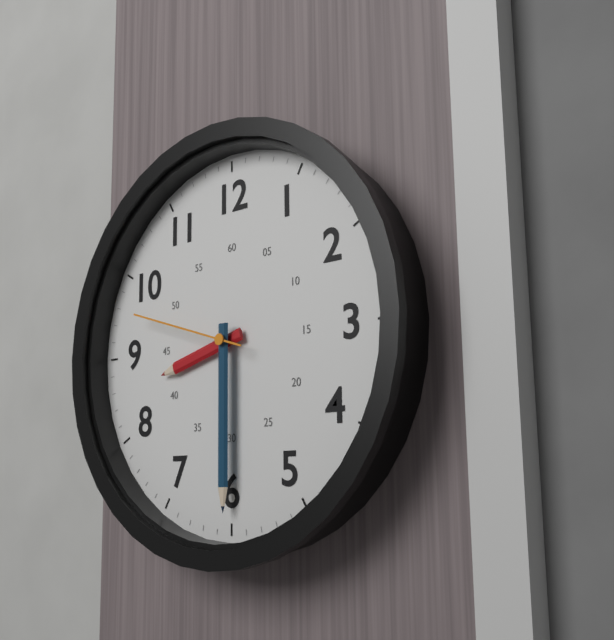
8:30:48
